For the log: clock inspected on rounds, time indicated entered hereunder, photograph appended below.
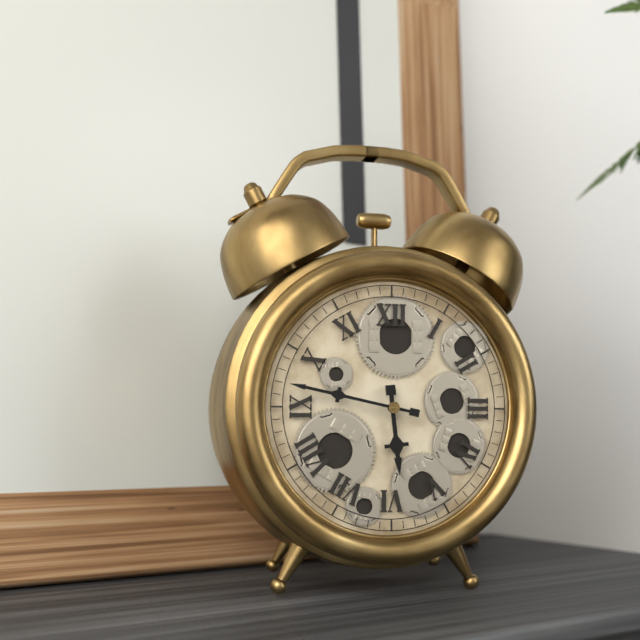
5:47
